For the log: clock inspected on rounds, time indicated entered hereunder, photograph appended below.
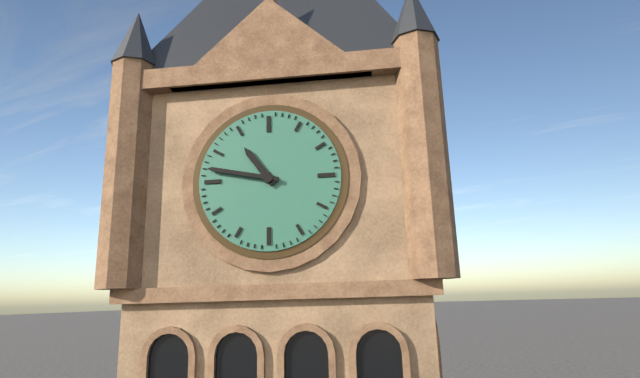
10:47
